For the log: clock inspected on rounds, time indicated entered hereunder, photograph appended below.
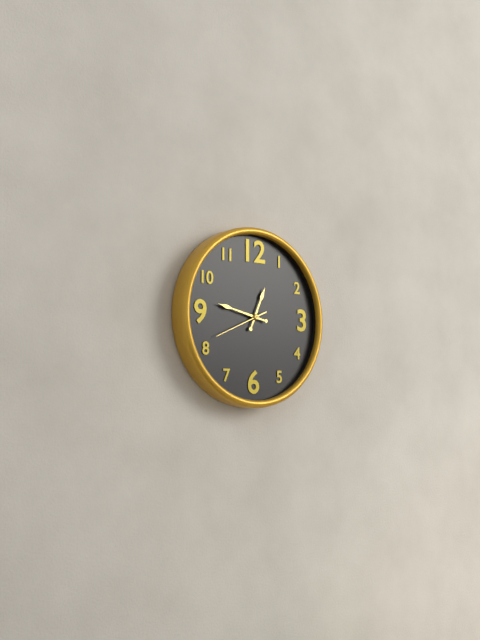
12:47:41
